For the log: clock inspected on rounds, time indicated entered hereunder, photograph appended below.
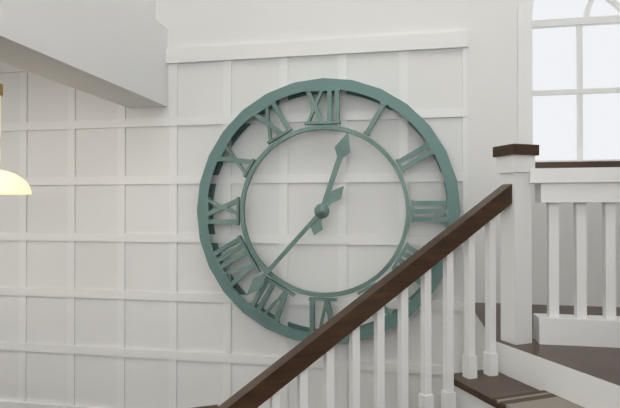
12:37
